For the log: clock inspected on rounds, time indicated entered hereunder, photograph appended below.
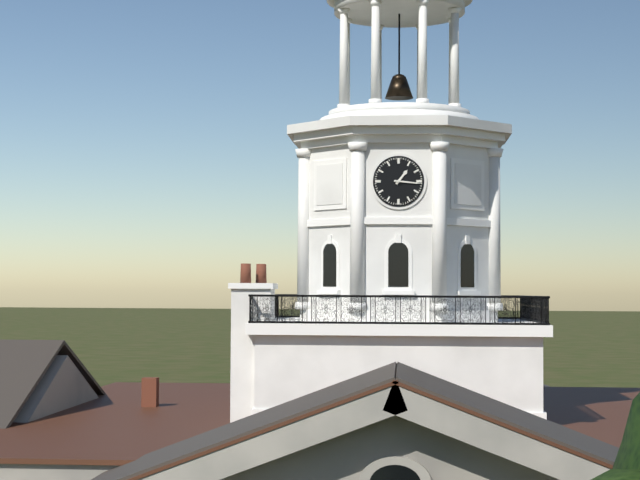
1:16
